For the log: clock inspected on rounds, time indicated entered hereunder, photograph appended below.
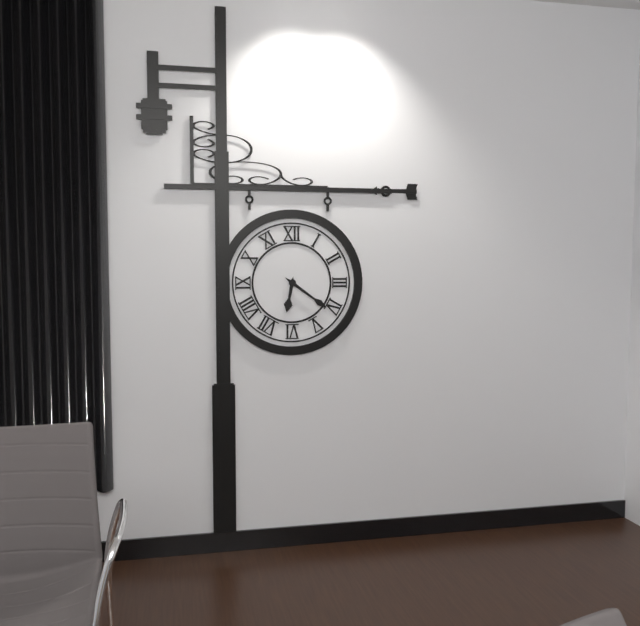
6:21
